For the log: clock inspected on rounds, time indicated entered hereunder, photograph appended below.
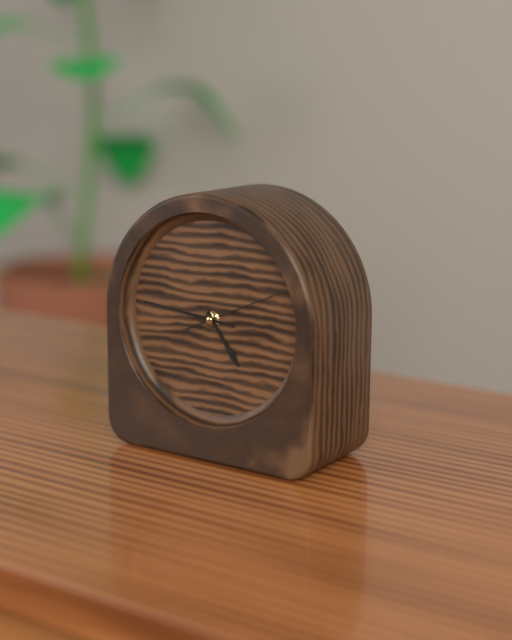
4:46:11
